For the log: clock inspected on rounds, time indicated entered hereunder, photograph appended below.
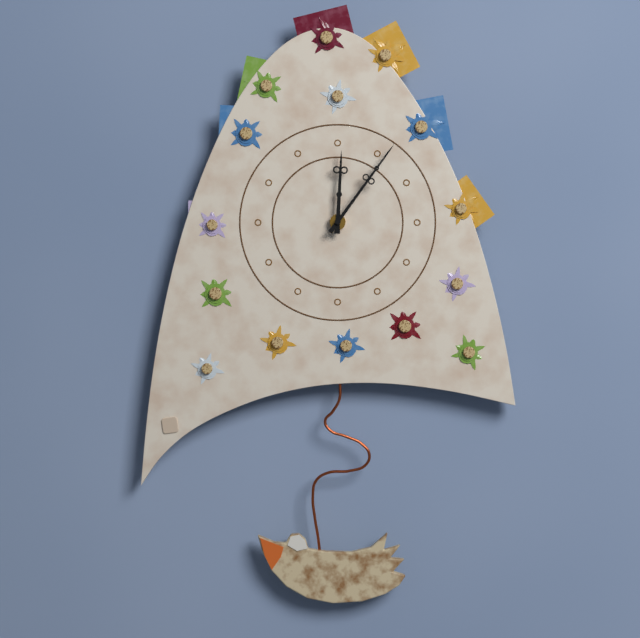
12:06
